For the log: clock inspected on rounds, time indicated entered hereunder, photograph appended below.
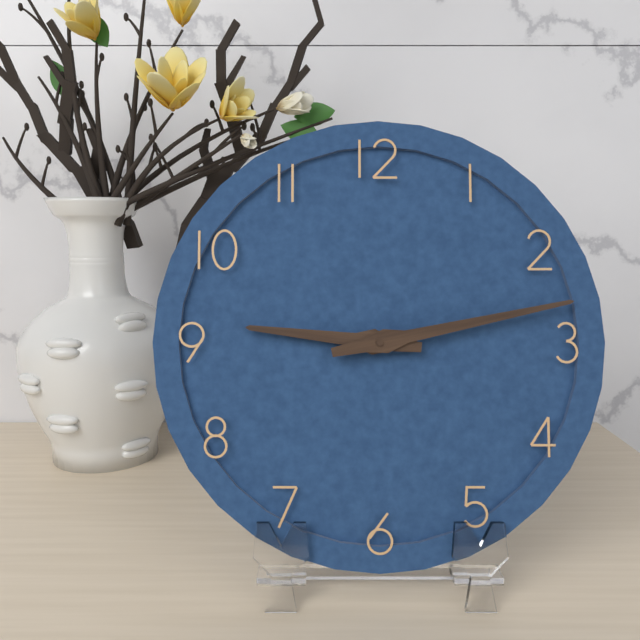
9:13
